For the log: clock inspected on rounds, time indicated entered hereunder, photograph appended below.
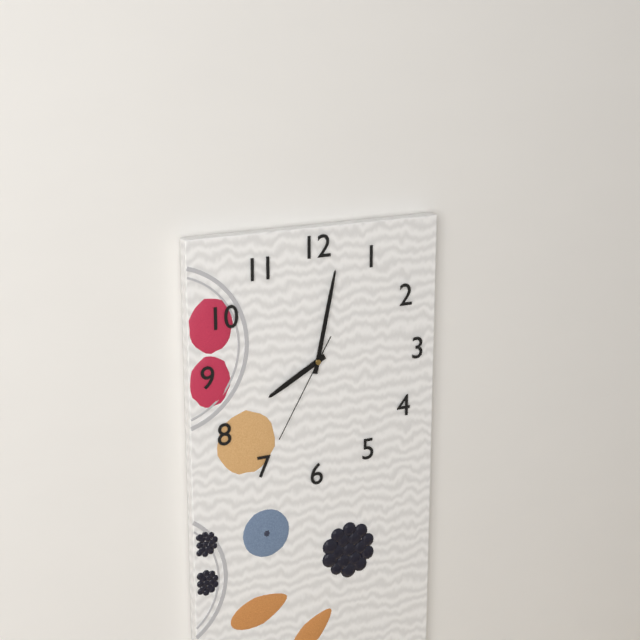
8:02:35
